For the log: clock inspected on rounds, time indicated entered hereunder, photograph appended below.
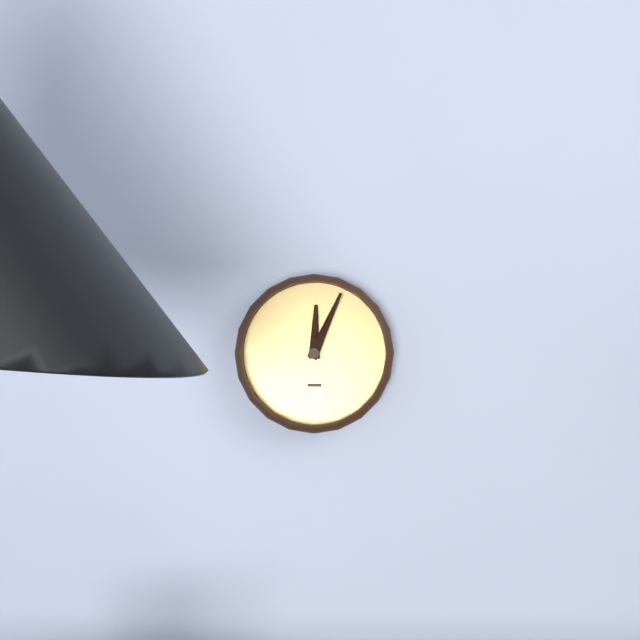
12:04
